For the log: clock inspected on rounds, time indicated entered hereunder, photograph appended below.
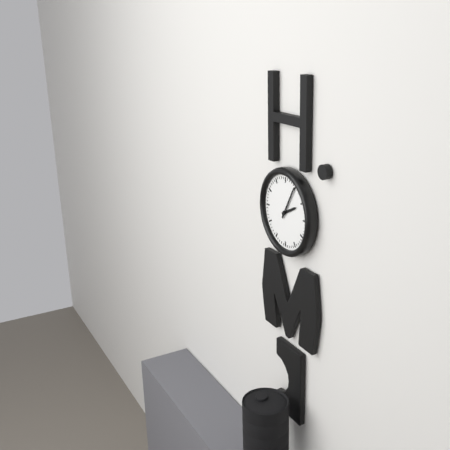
2:05
